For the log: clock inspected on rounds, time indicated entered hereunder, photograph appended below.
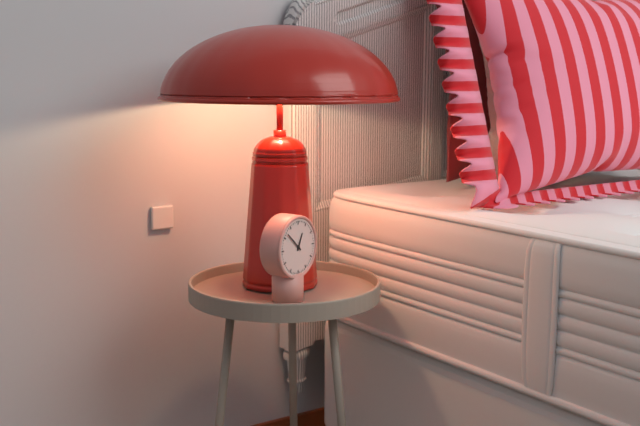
12:52
